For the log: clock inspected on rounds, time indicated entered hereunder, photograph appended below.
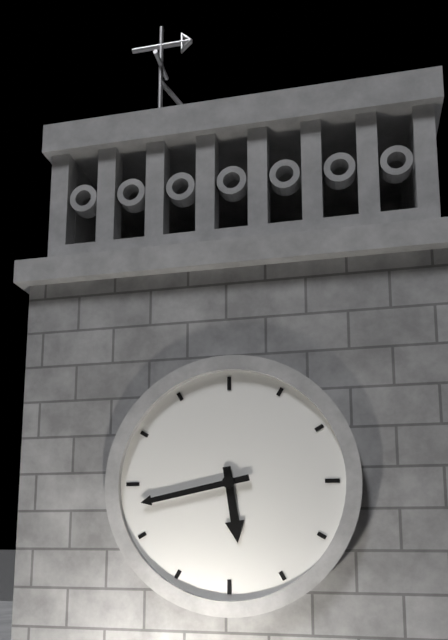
5:43
